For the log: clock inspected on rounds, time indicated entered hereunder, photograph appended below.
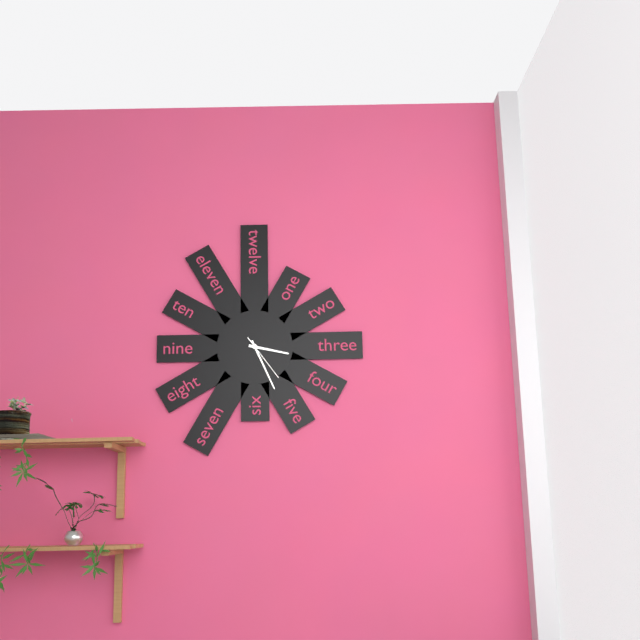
3:26
